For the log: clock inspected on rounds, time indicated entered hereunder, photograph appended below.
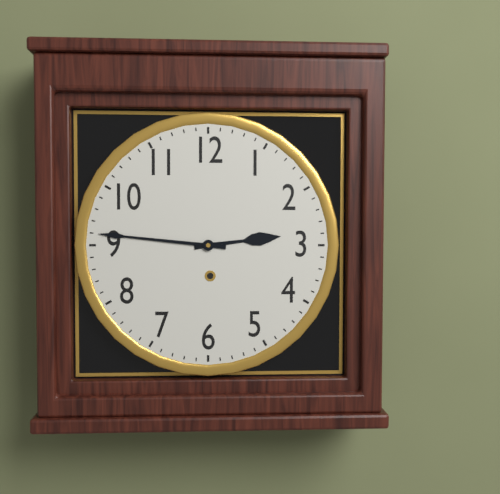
2:46
